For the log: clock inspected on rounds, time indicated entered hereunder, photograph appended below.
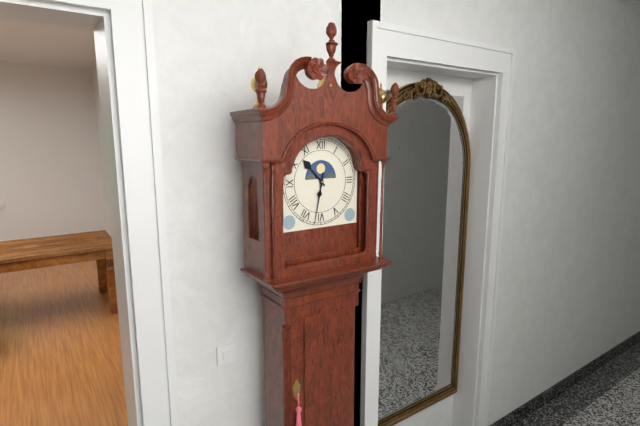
10:32
